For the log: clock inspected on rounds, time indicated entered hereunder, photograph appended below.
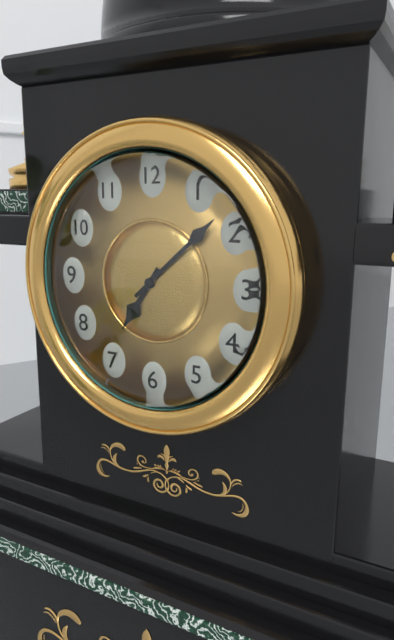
7:08
